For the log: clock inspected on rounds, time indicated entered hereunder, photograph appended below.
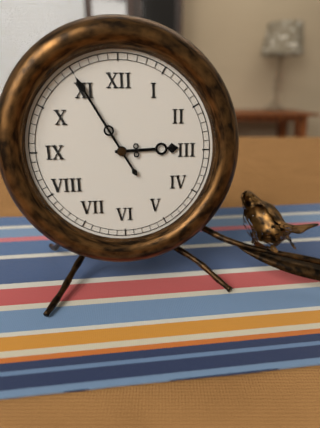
2:55
